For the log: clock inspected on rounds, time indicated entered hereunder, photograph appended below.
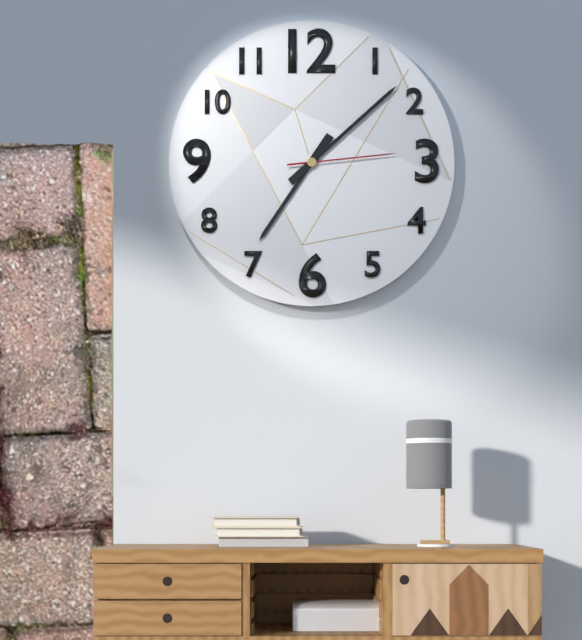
7:08:14
